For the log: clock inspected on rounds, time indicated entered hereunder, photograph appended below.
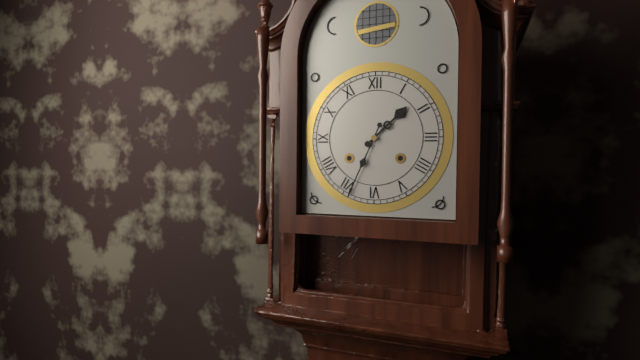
1:34
